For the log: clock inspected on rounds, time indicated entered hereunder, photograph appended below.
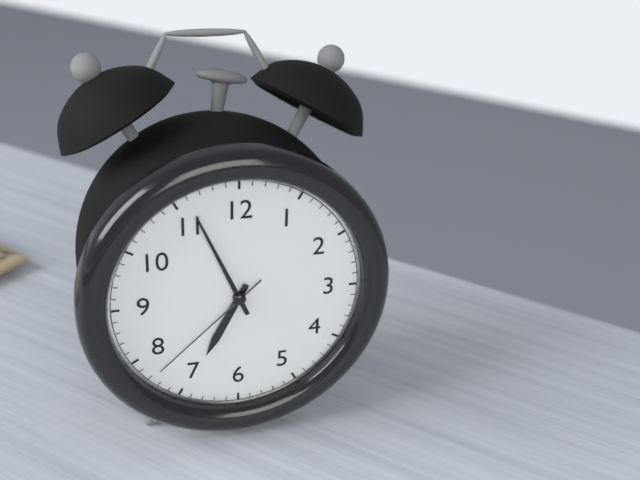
6:56:38
